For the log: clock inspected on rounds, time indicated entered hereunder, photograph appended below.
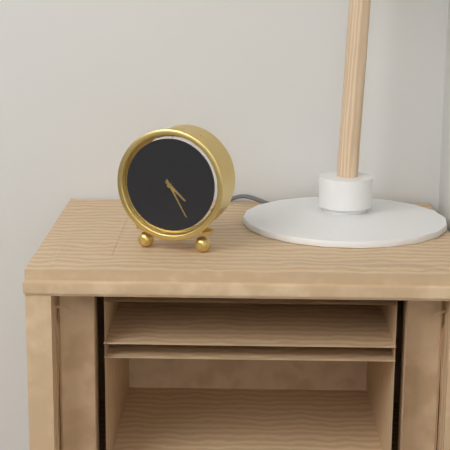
4:25
